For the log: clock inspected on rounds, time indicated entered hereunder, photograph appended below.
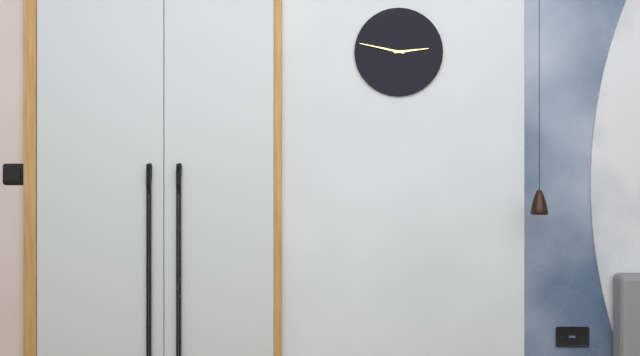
2:47
